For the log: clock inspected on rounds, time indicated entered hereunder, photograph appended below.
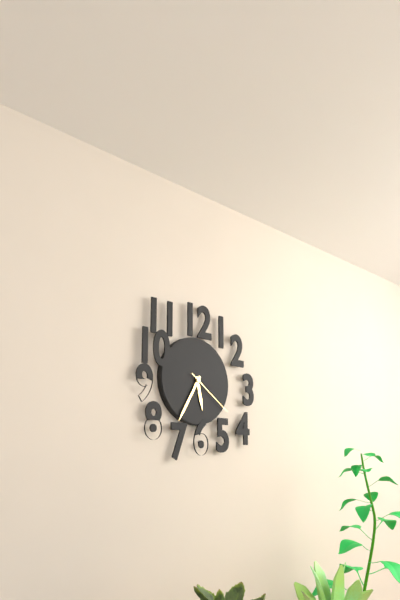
5:35:21
